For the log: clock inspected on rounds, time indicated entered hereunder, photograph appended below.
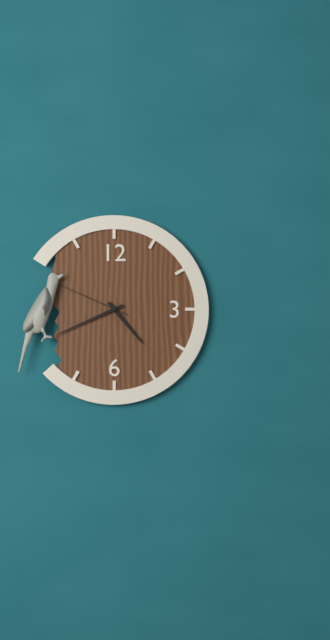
4:41:49
